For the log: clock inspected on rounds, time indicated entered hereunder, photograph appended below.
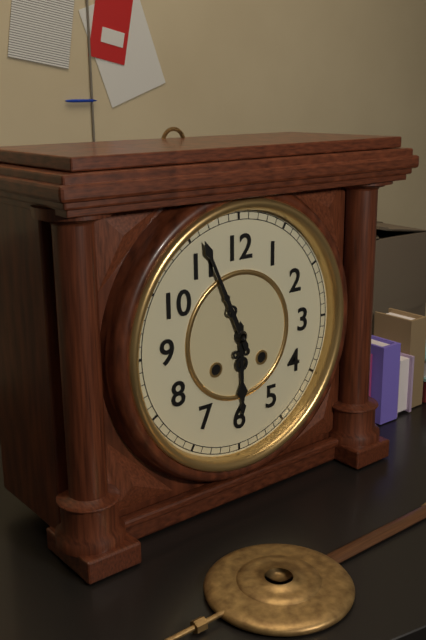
5:56
